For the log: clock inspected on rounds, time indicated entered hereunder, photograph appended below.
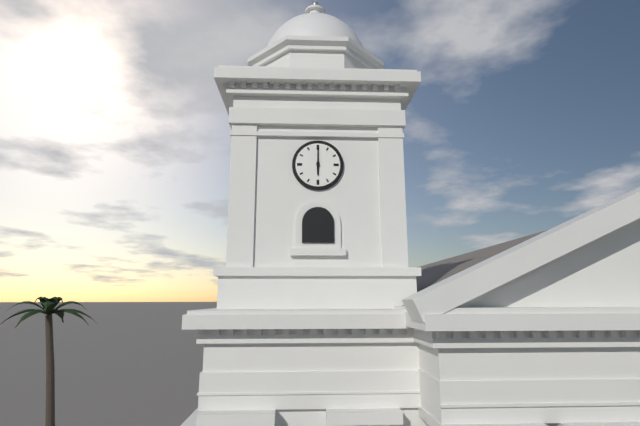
6:00
